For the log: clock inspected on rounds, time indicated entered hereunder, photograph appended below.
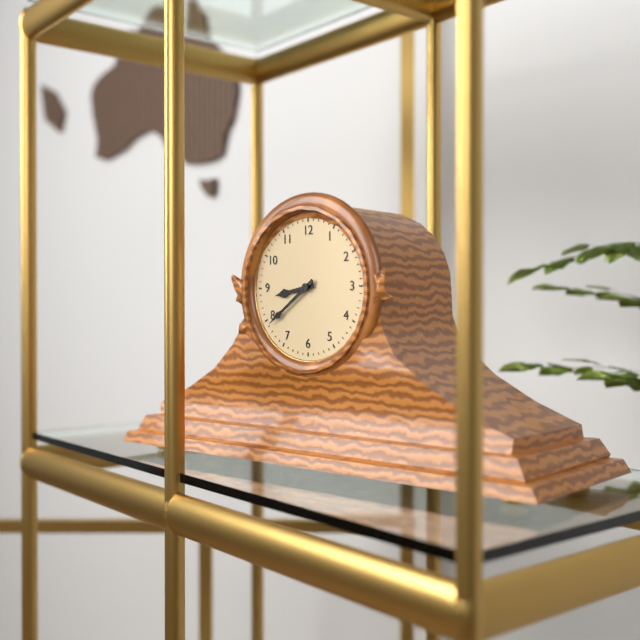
8:39
